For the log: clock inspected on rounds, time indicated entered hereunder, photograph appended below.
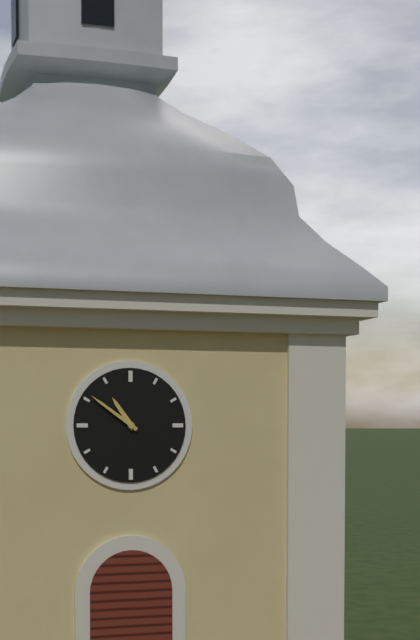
10:51
